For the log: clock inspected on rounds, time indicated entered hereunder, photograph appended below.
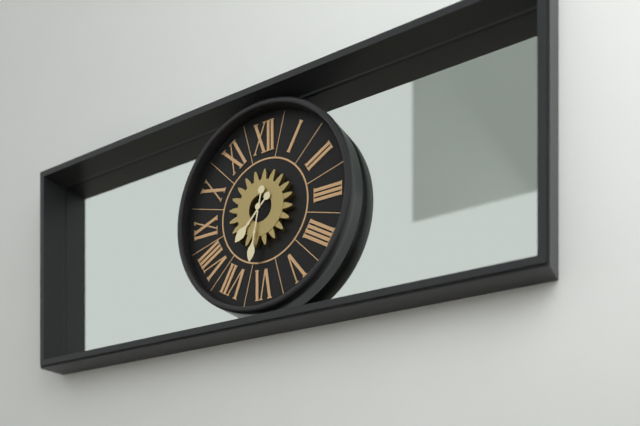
7:32
